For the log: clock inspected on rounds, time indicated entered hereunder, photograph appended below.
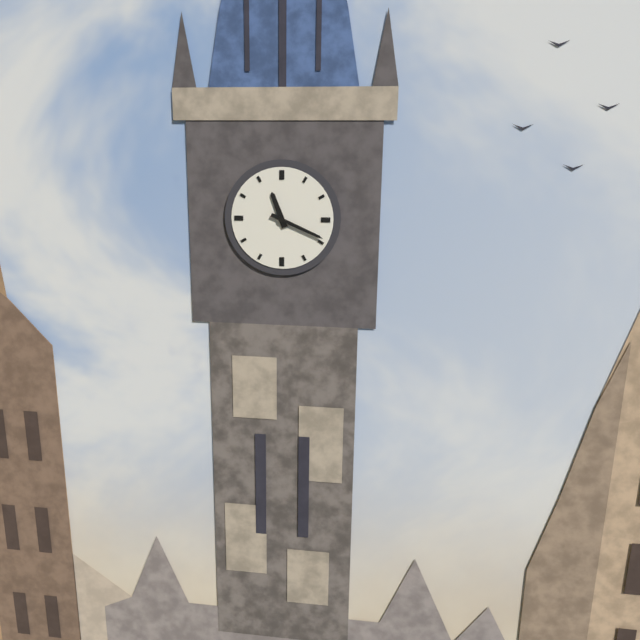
11:19
